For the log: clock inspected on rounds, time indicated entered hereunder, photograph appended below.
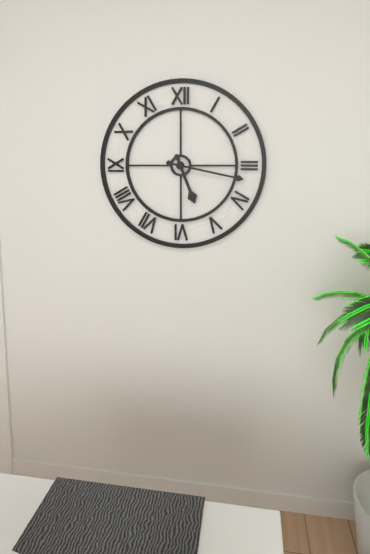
5:17
